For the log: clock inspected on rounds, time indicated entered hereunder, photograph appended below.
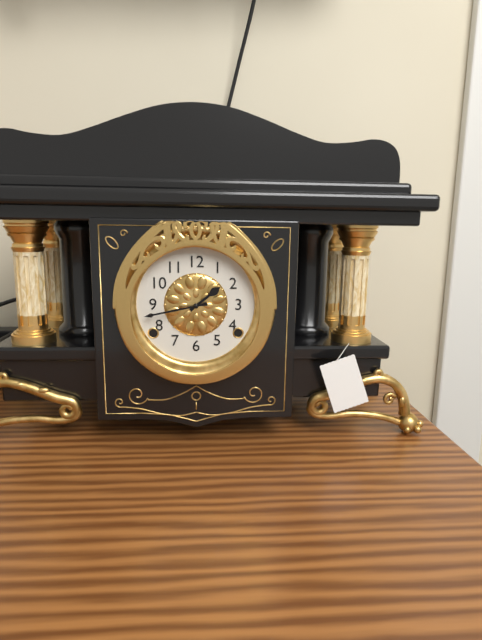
1:43
